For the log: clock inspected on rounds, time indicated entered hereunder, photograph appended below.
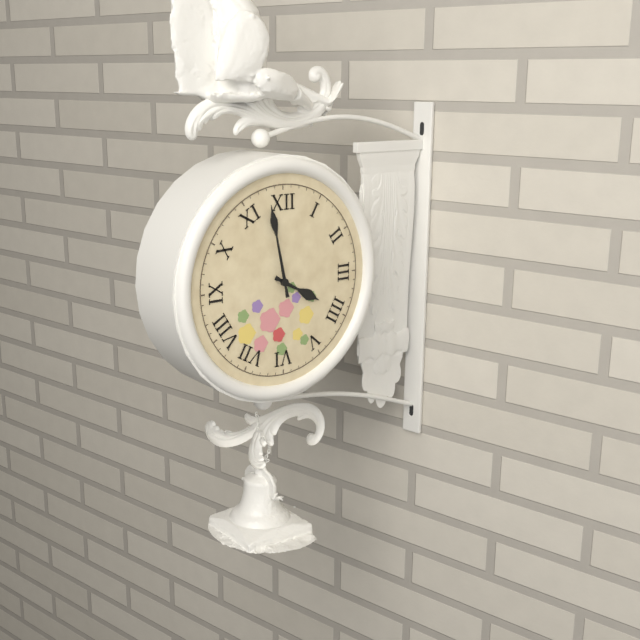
3:58
